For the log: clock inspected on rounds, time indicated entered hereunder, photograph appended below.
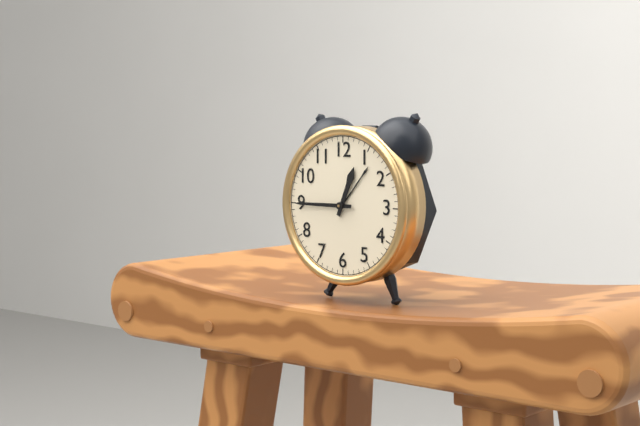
12:45
